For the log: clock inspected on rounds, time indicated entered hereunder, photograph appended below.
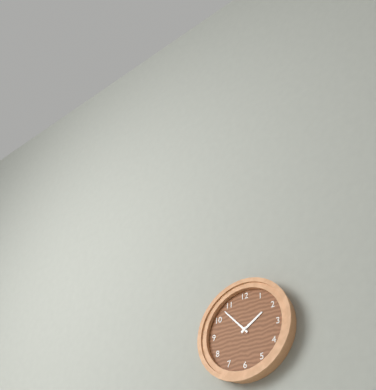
1:53
